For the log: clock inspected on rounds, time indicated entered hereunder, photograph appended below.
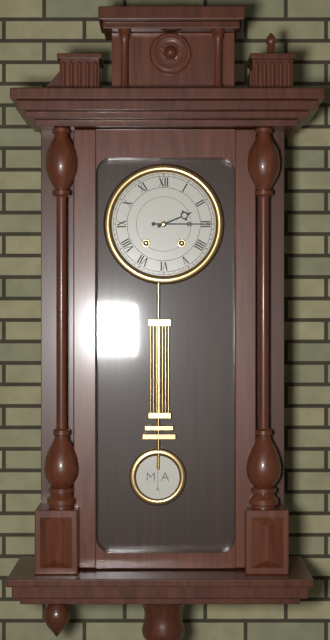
2:15
